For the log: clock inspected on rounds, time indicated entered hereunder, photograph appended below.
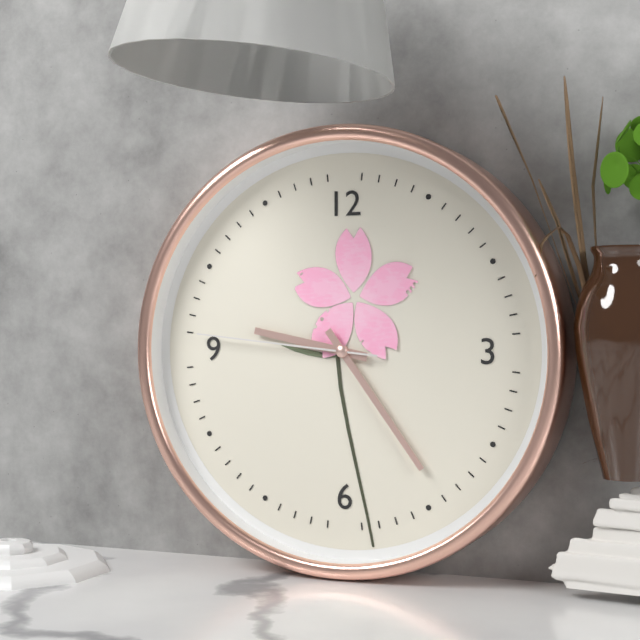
9:24:46
